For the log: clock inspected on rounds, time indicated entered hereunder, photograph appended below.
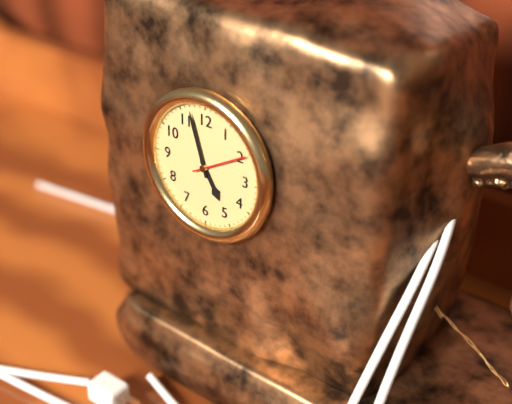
4:57:10
